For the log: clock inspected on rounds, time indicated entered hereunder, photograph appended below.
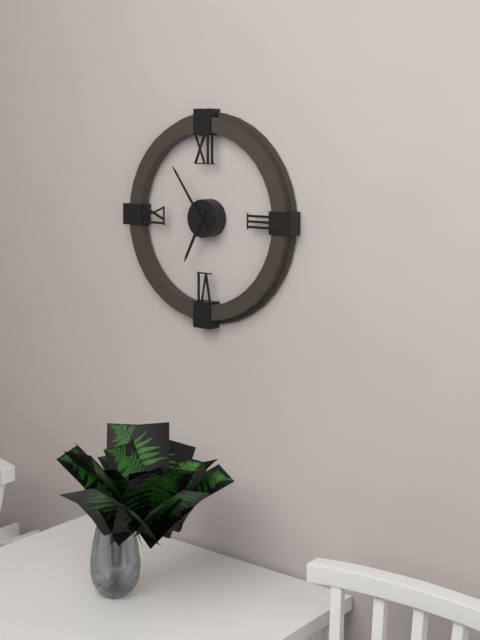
6:54
